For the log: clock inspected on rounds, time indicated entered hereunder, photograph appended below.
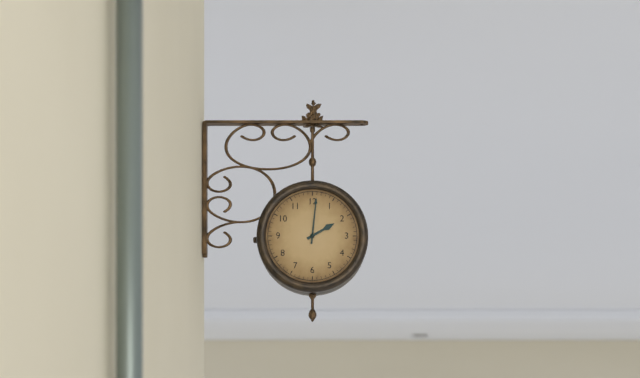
2:01
